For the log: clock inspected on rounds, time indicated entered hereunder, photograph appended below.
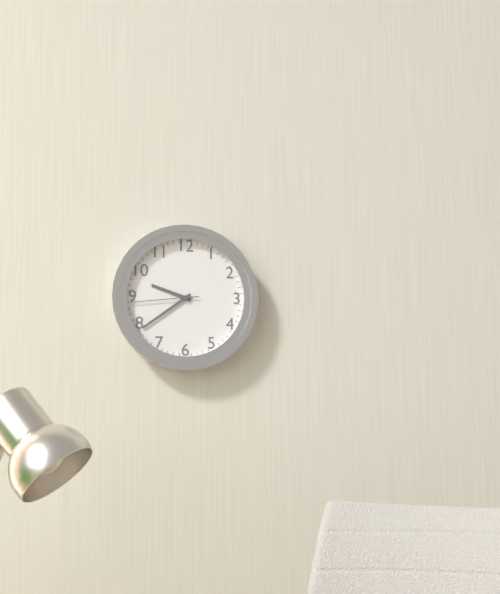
9:39:44
